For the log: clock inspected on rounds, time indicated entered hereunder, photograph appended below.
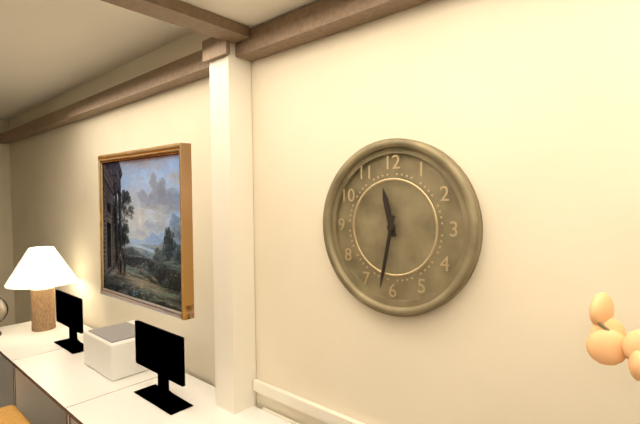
11:32
